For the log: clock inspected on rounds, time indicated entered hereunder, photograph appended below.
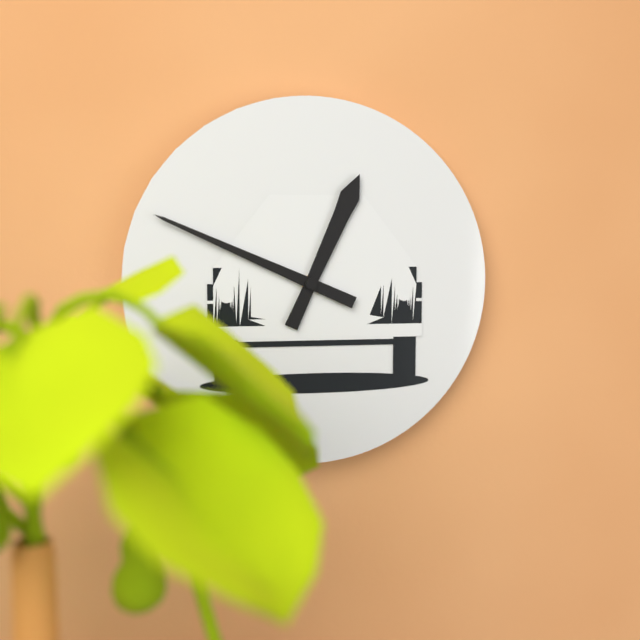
12:49
